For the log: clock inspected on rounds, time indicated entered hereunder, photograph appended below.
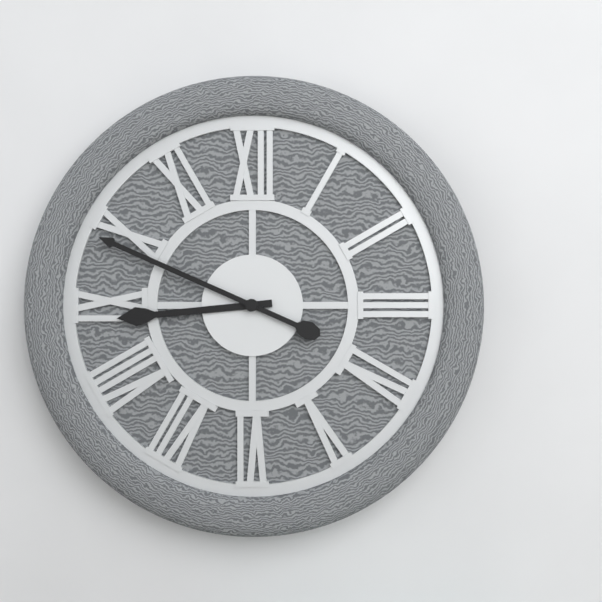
8:49
